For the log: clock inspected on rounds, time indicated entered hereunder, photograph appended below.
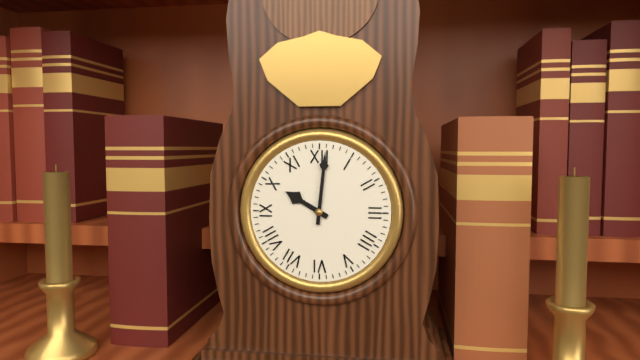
10:01
